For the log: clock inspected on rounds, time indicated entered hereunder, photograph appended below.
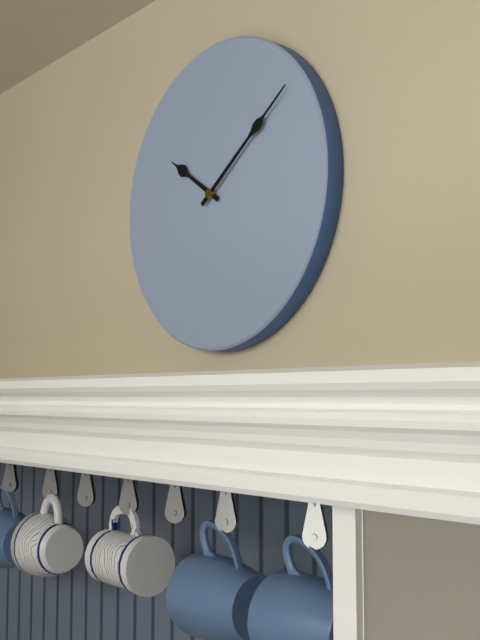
10:09
